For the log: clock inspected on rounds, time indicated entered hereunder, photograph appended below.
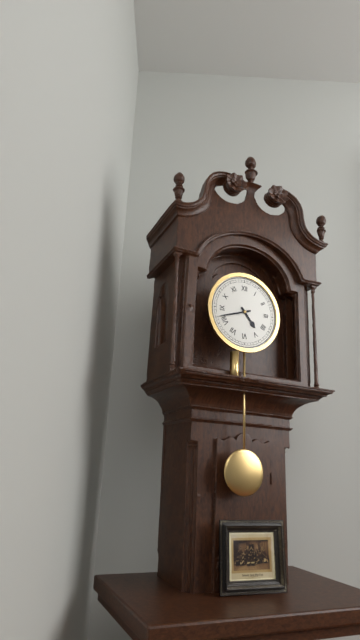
4:42
